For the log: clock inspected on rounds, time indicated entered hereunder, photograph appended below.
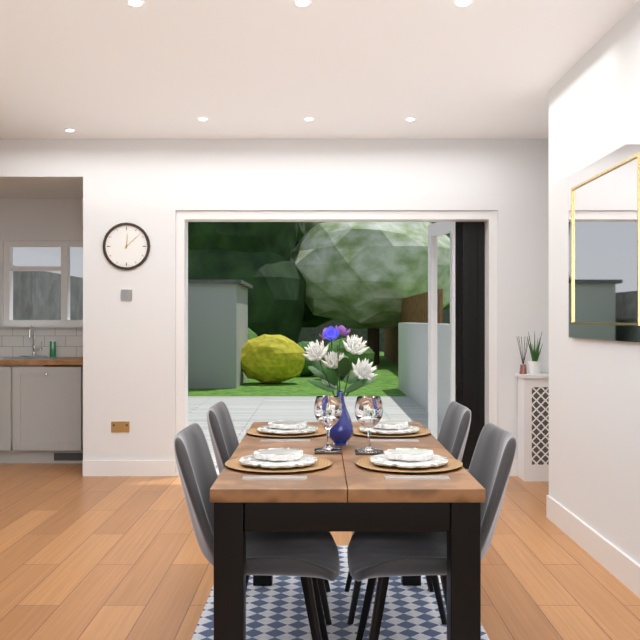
12:08
